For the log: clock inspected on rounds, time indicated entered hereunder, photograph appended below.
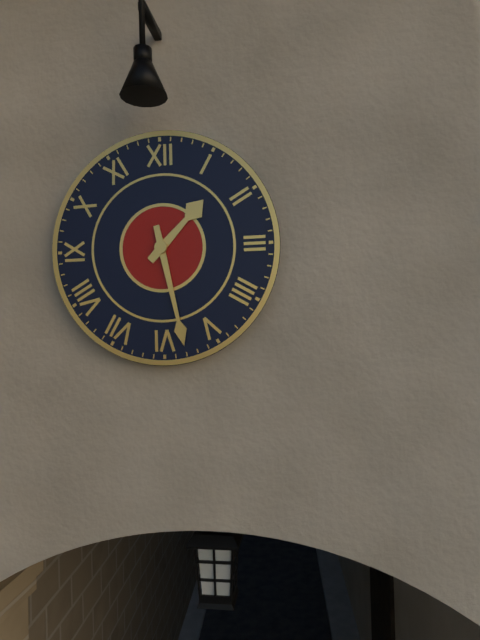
1:28
